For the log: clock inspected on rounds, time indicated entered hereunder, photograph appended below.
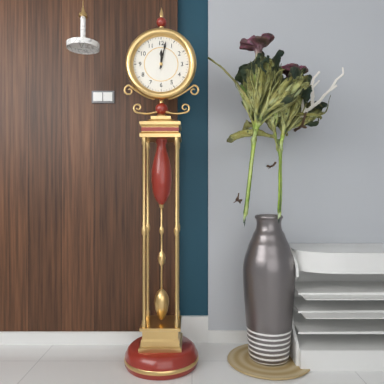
12:02
